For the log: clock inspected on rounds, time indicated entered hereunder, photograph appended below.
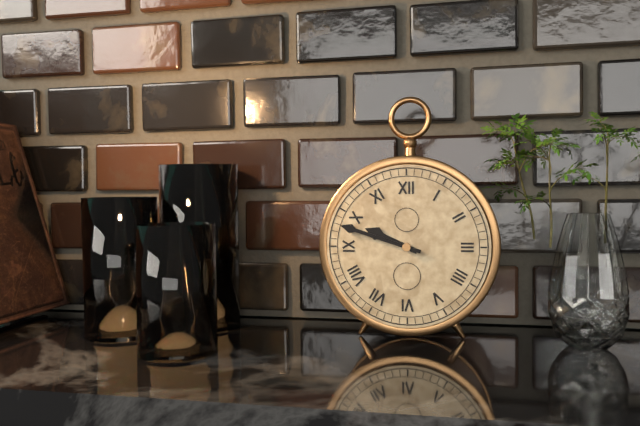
9:48
